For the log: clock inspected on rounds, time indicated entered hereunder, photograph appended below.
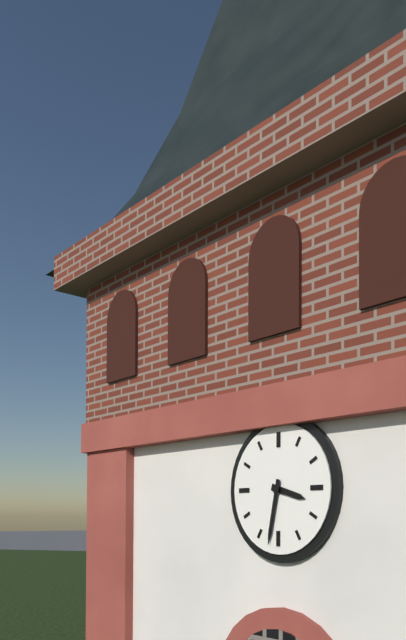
3:32
